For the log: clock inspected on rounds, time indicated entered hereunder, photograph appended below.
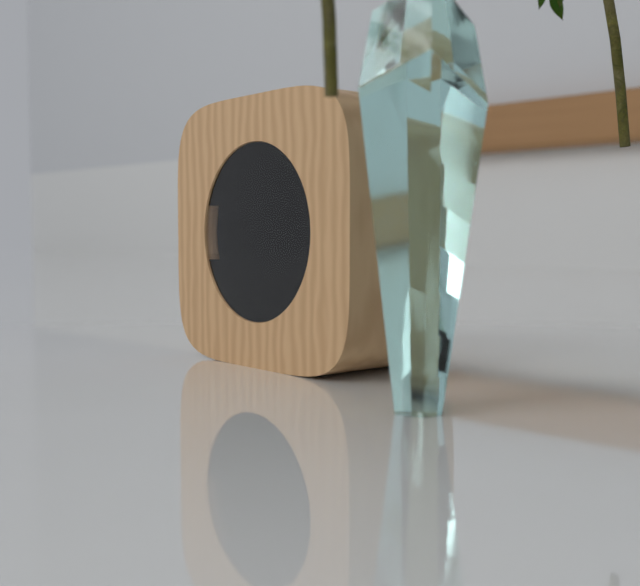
11:12:09
